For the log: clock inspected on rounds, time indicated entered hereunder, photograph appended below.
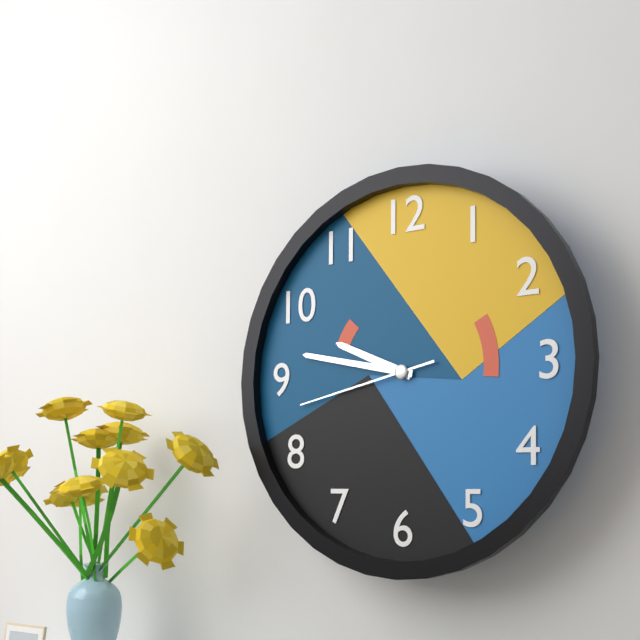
9:47:43
